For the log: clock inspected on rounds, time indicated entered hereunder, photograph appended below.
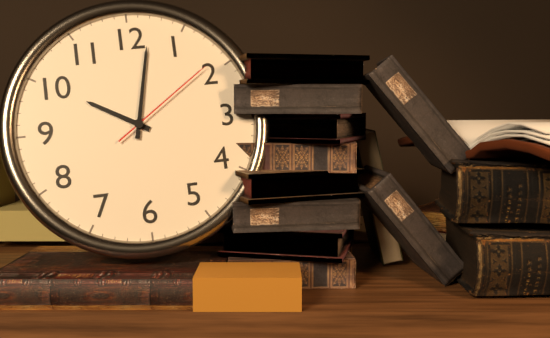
10:02:09
